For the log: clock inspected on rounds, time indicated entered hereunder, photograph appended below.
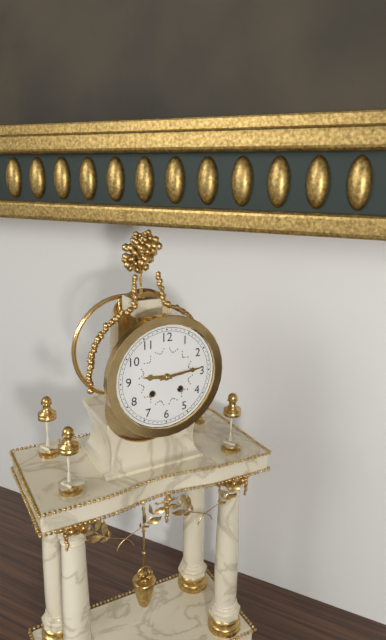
9:14
